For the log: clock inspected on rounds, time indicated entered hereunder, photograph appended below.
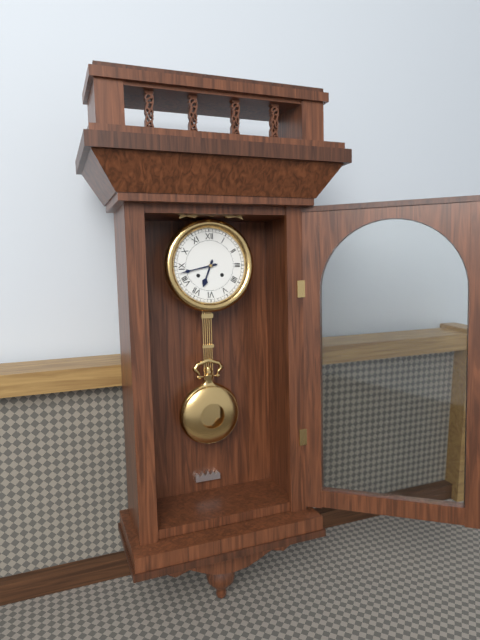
6:43
